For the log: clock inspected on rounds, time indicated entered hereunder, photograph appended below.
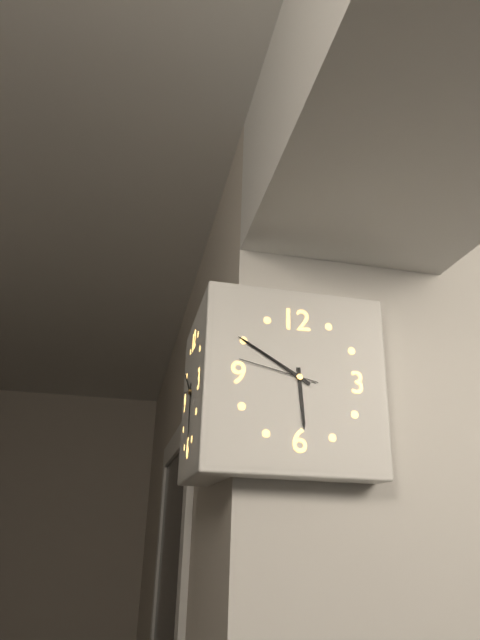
5:50:47
